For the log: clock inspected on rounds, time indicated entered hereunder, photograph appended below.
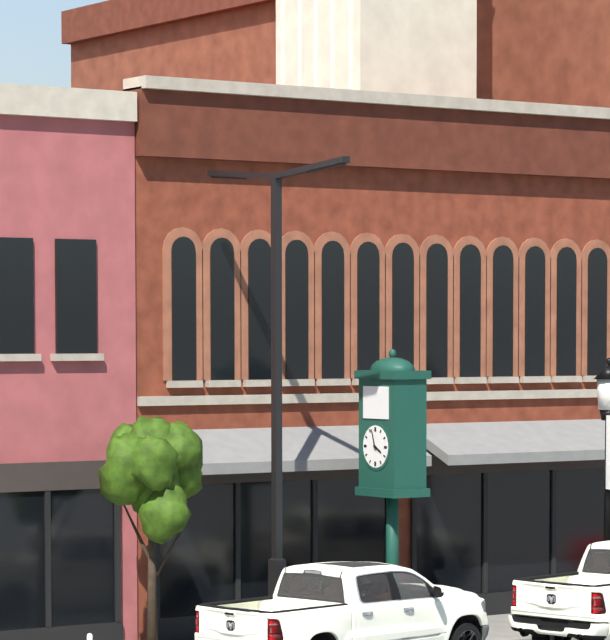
3:57
